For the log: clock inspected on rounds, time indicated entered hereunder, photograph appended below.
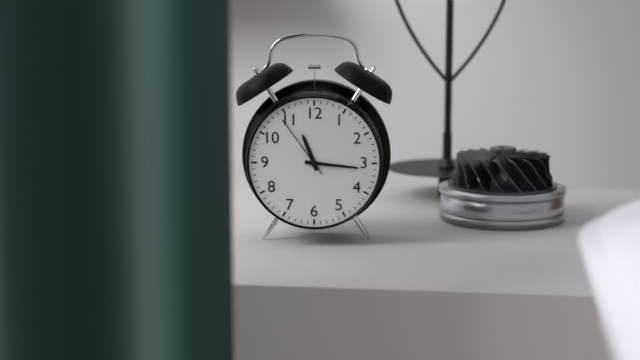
11:16:54
